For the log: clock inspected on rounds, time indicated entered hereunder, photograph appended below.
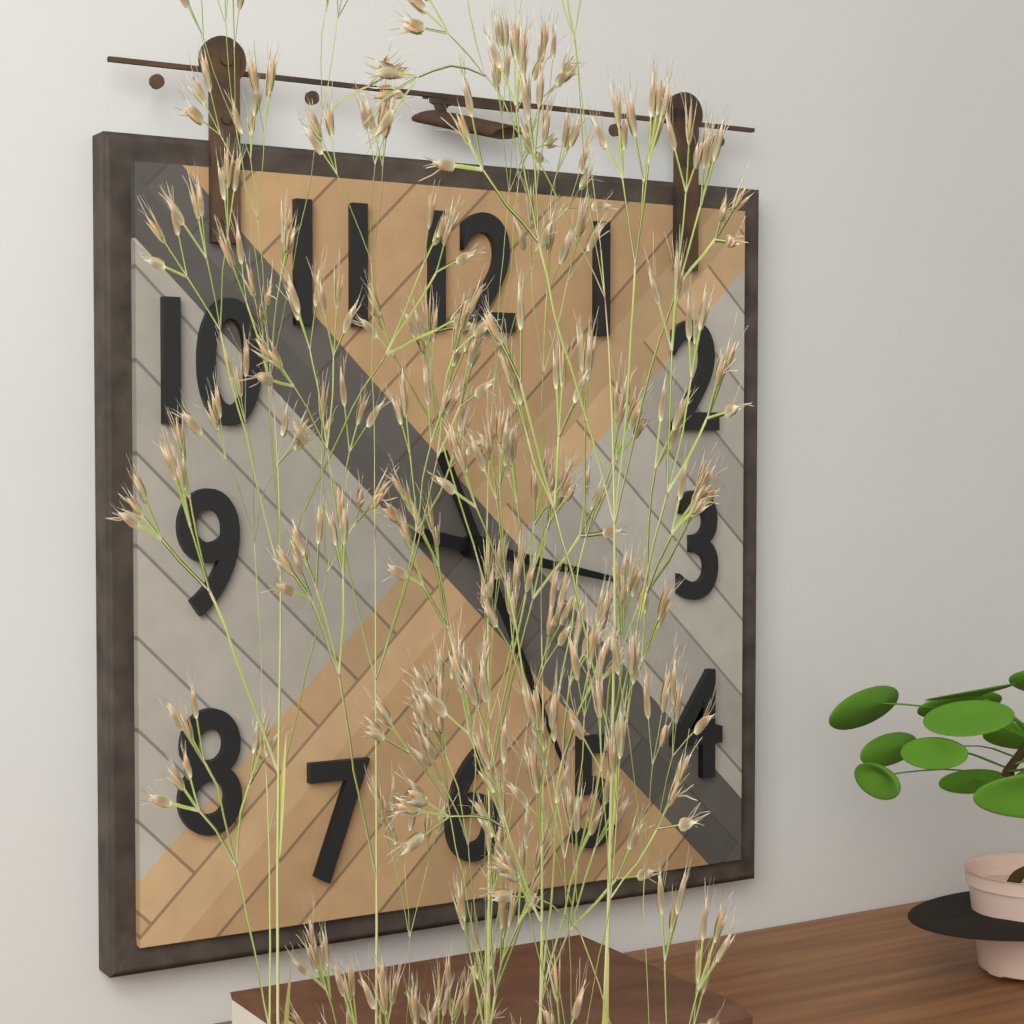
3:26
